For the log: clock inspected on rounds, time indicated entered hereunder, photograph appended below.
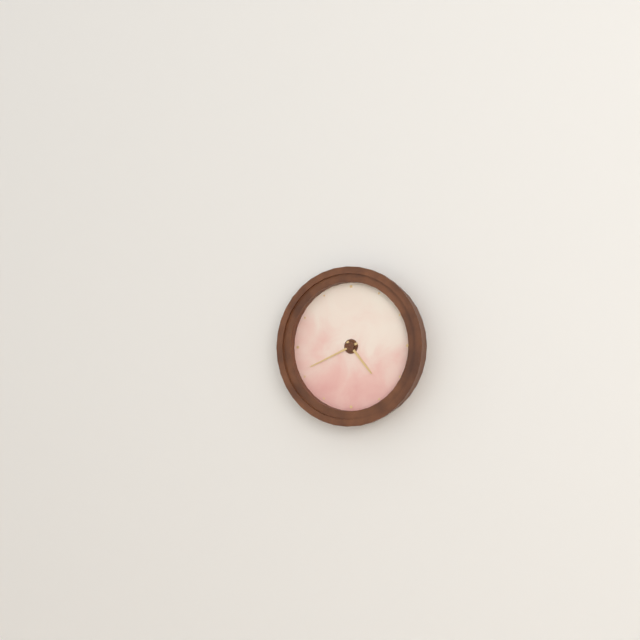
4:41
